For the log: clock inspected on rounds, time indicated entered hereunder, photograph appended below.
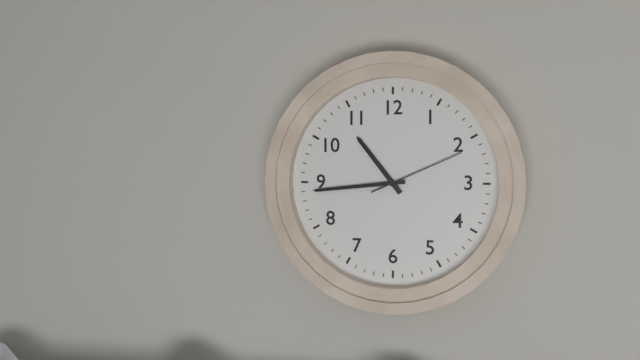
10:44:11
